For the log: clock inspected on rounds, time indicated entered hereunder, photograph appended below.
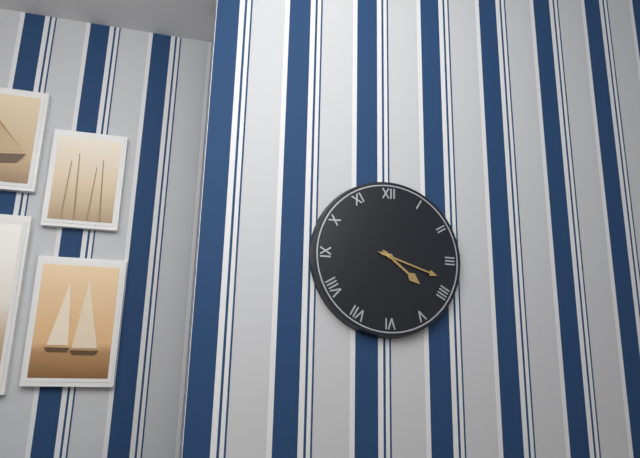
4:18
